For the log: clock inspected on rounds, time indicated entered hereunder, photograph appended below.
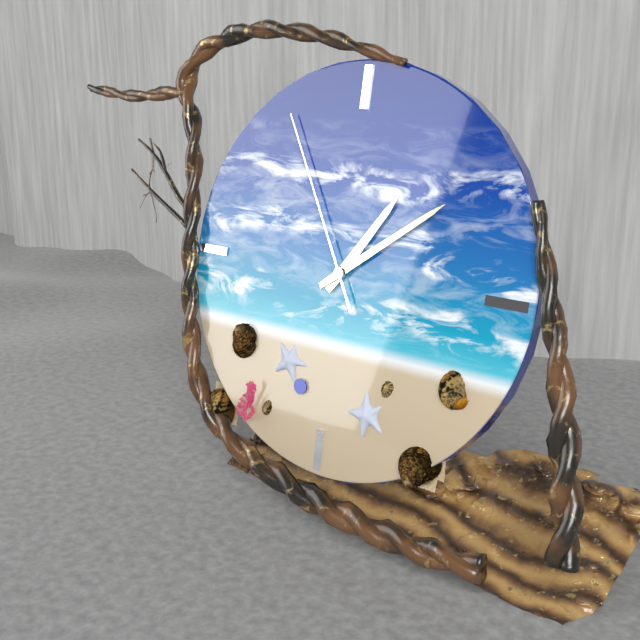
1:09:55
